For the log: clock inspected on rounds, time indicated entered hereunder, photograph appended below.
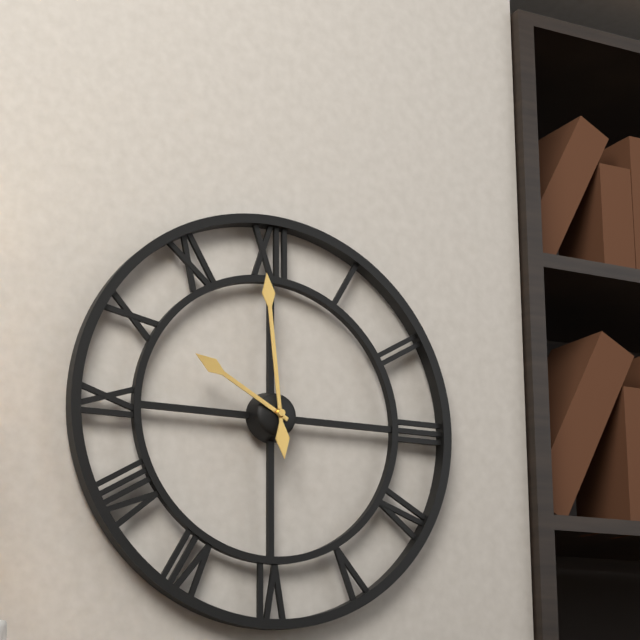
9:59
